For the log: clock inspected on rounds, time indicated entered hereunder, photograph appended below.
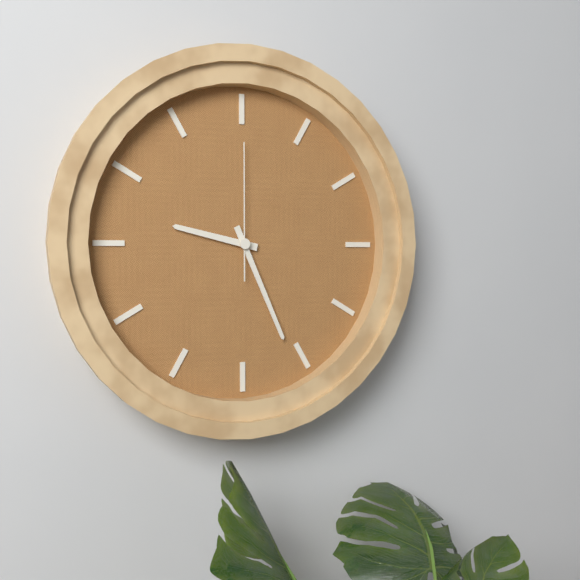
9:26:00
